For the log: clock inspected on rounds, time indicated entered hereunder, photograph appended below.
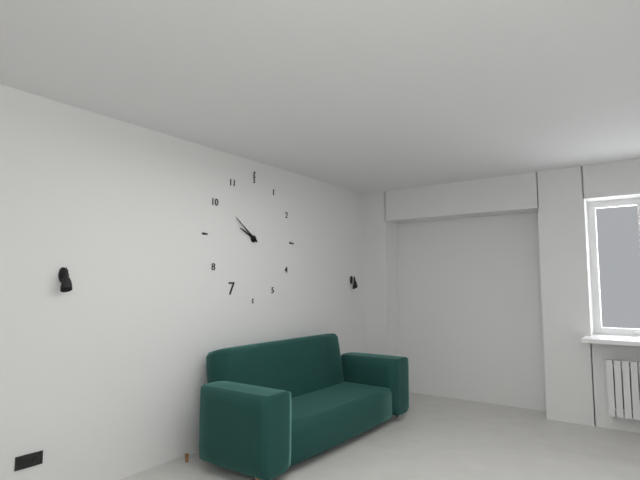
9:51
